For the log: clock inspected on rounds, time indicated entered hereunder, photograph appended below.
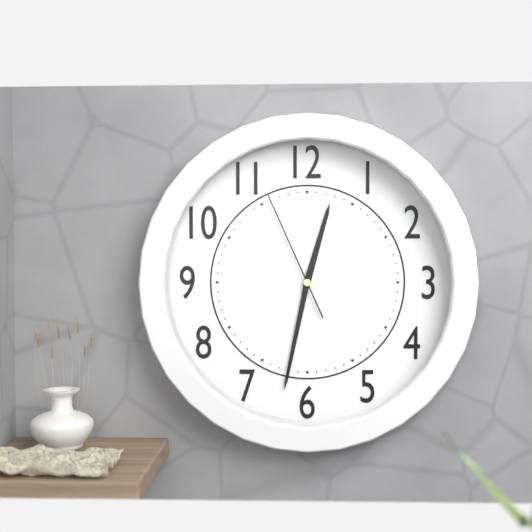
12:32:56
